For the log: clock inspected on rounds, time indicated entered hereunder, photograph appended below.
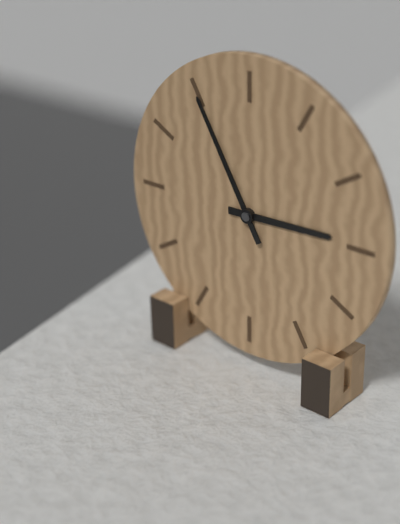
2:55
